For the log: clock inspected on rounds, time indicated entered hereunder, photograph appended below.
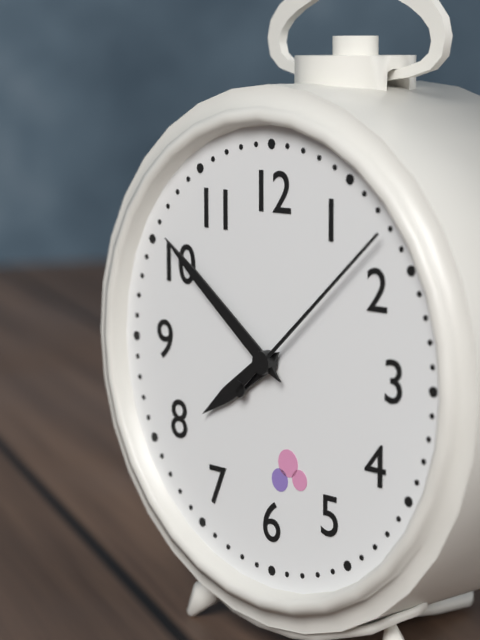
7:51:08
